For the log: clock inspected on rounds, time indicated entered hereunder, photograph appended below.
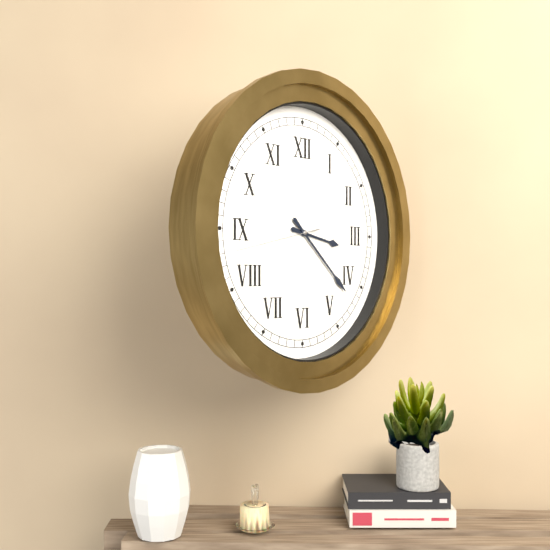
3:22:43
